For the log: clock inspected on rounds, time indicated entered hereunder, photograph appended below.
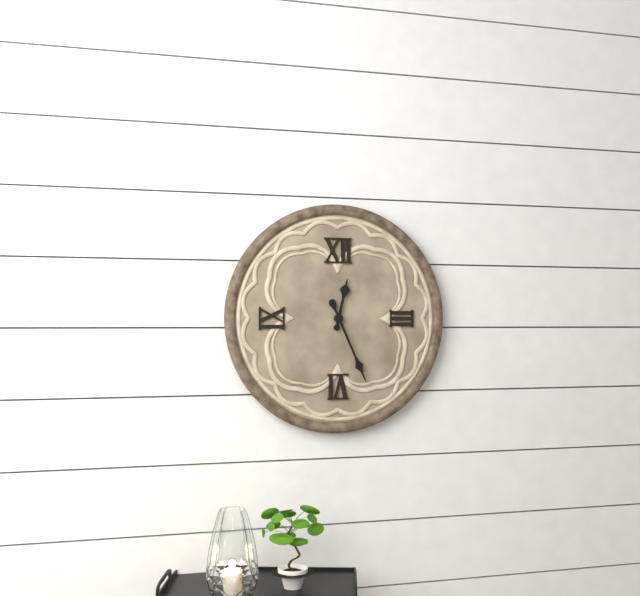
12:26
